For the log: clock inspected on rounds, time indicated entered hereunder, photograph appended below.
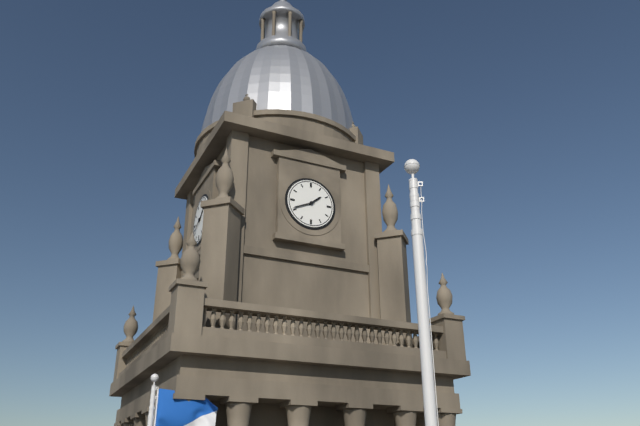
1:41
